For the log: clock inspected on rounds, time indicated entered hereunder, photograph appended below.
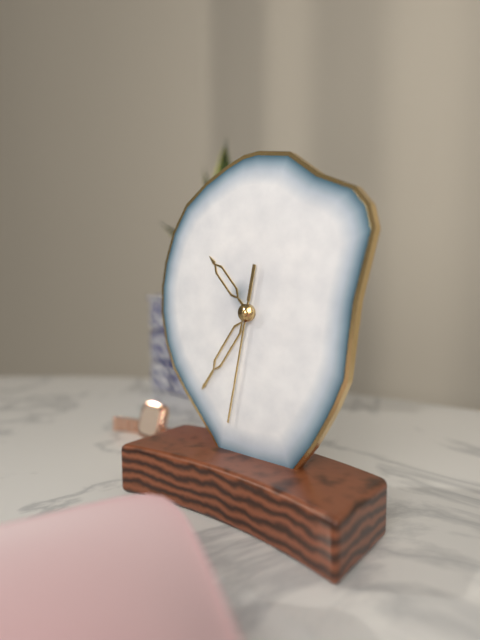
10:36:32
